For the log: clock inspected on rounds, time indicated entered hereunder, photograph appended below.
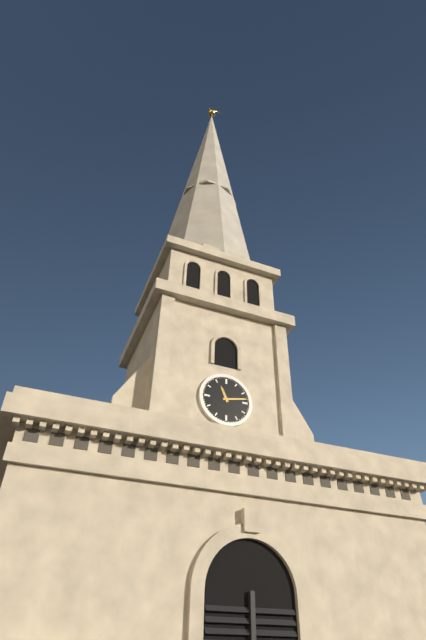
11:13
